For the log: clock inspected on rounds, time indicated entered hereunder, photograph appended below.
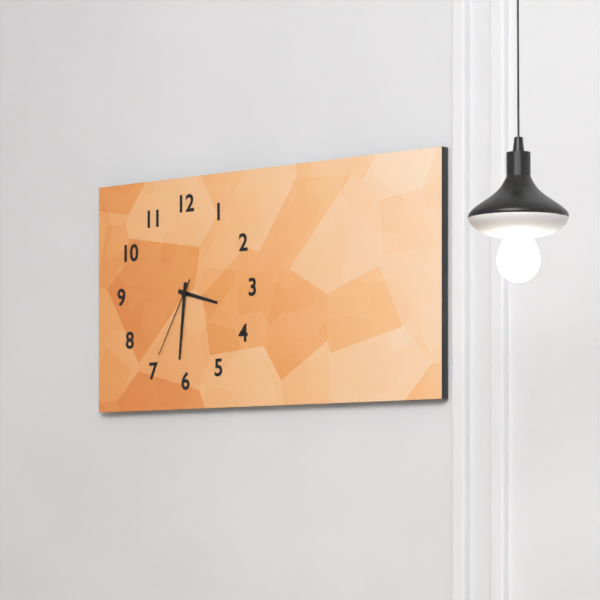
3:31:35
